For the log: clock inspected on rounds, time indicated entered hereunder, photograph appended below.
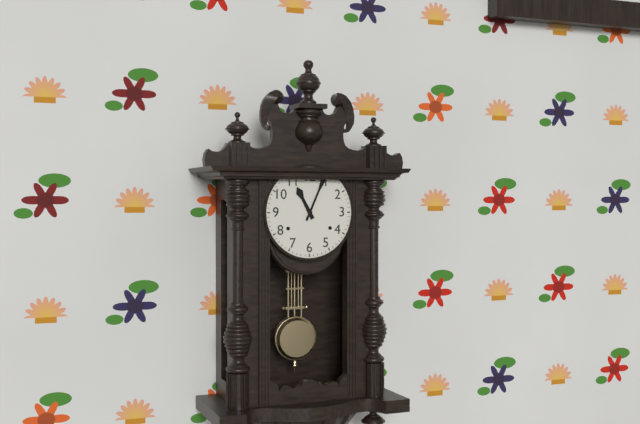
11:04
